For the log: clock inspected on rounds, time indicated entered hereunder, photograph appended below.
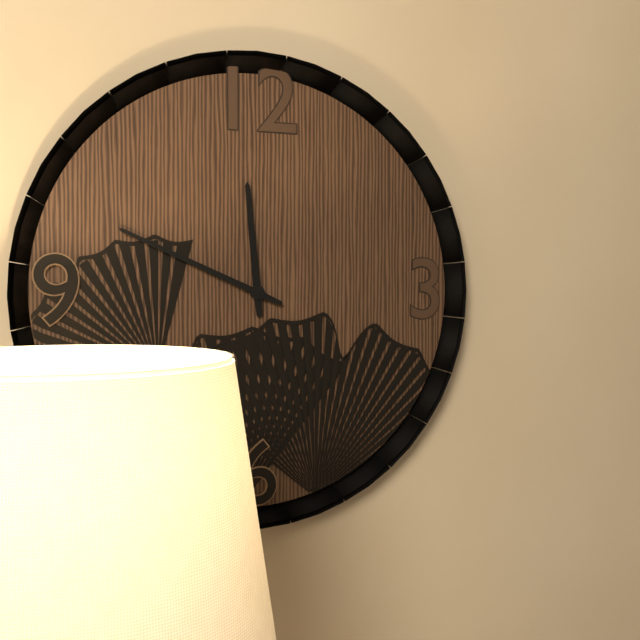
11:49
